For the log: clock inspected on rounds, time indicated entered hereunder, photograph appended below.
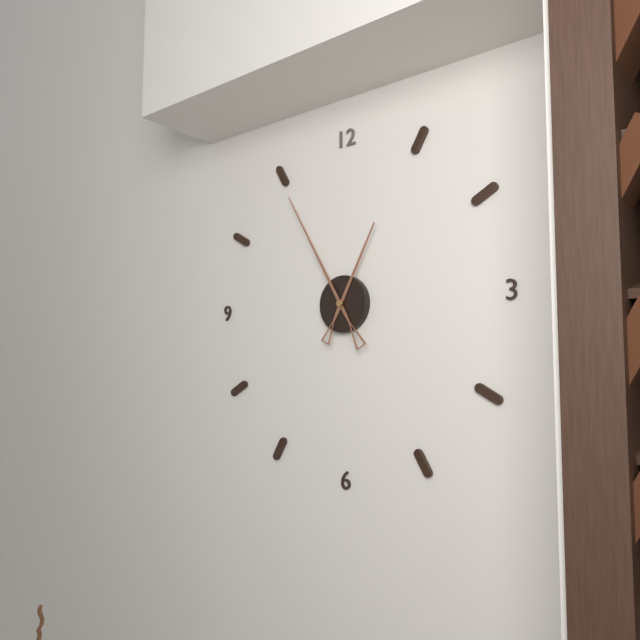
12:55
